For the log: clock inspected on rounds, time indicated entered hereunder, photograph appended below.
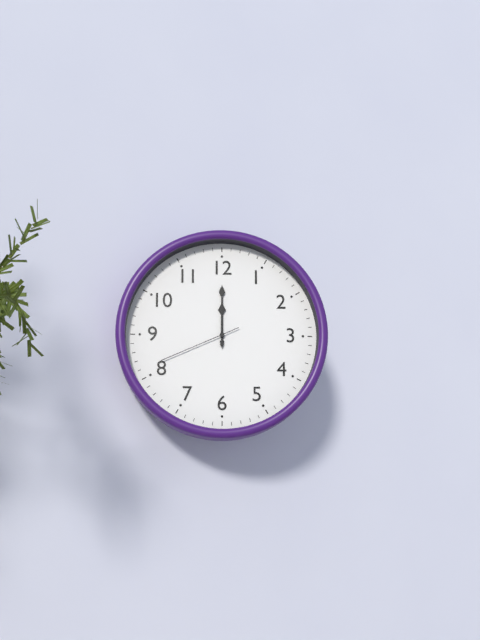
12:00:41
